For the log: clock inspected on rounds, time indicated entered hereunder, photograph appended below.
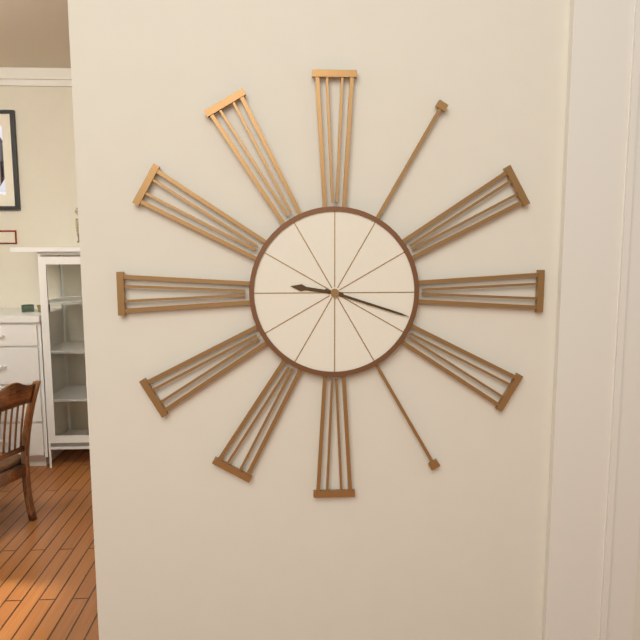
9:18
